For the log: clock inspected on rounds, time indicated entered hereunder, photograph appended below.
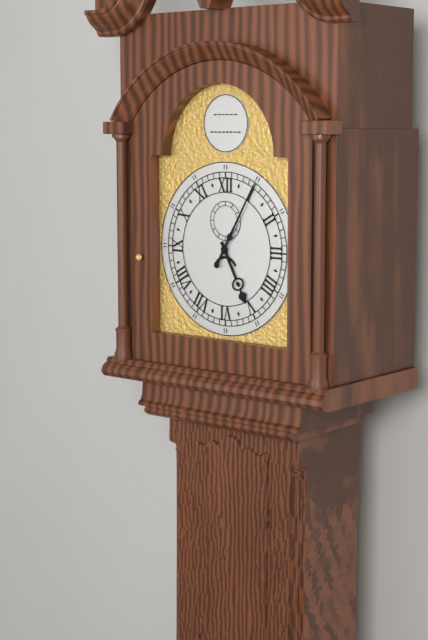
5:05
